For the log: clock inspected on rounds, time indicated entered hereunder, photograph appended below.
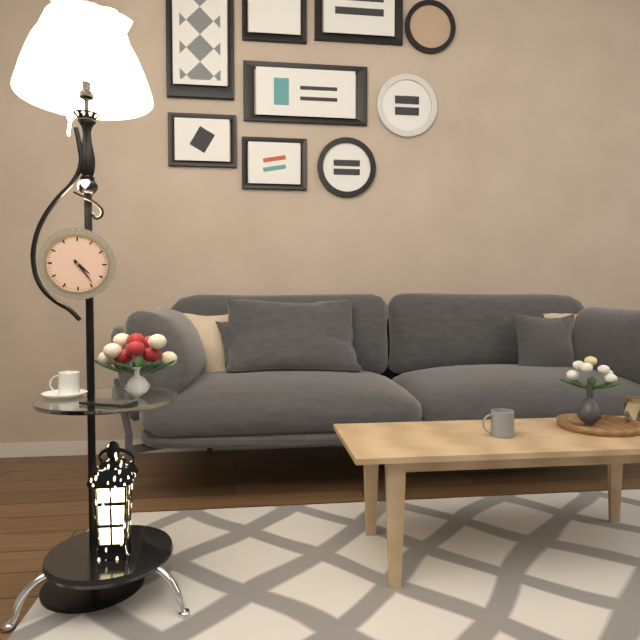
4:24
